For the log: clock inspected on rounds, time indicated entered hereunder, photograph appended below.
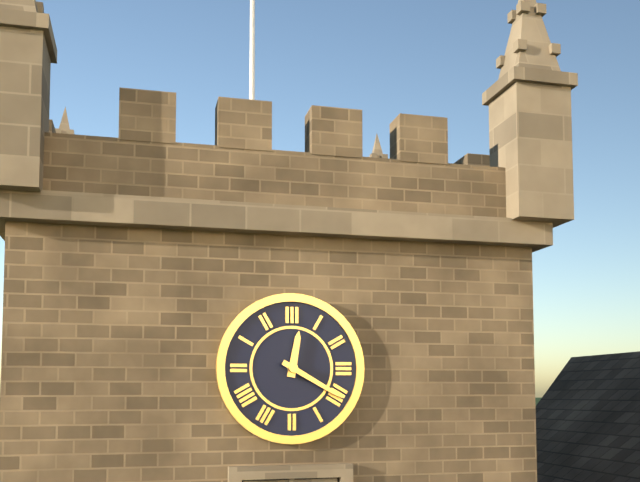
12:20
